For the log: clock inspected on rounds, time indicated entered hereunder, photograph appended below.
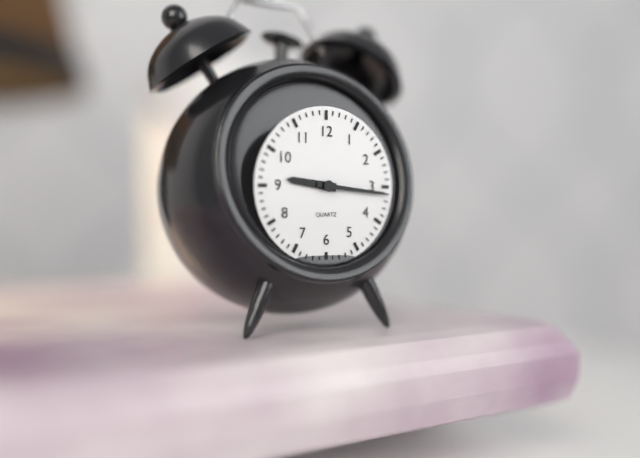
9:16
